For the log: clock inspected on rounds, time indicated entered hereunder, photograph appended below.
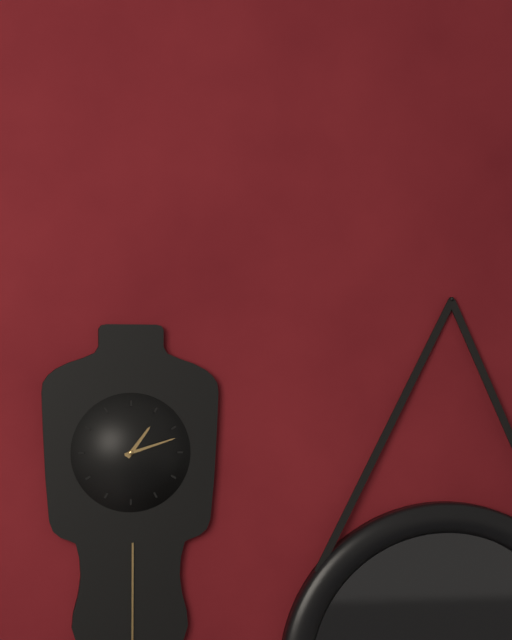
1:12
